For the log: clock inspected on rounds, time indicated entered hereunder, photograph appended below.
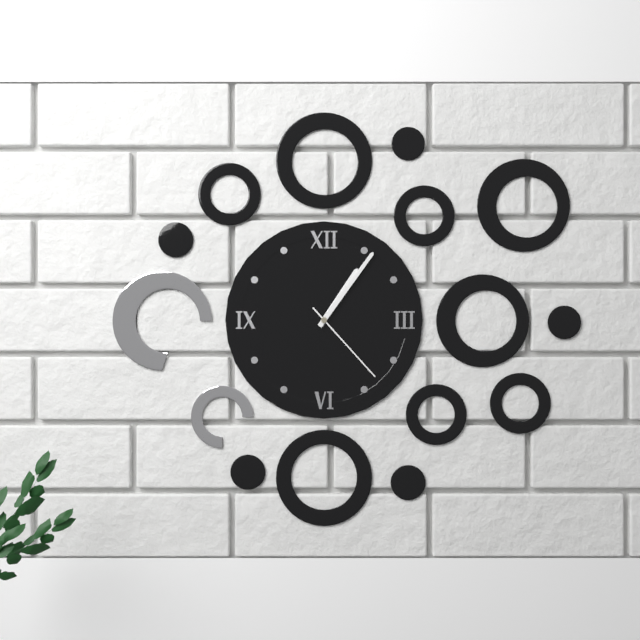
1:06:23
